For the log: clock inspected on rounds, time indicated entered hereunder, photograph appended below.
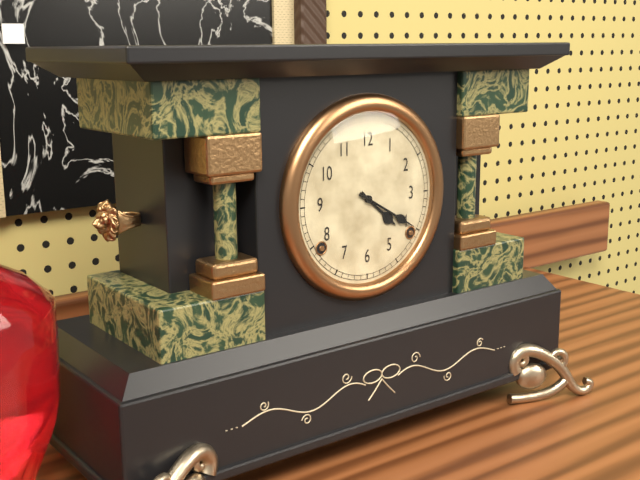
4:20
